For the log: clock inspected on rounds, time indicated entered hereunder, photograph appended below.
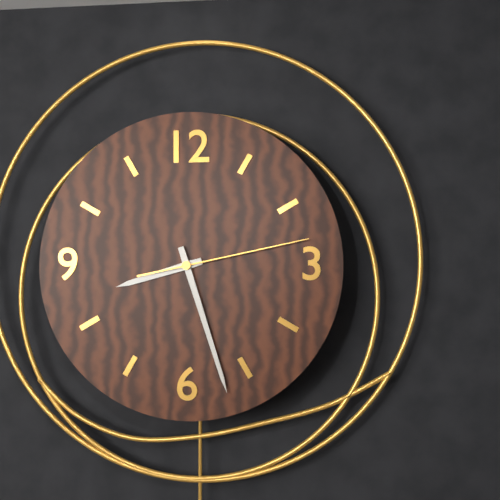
8:27:13
